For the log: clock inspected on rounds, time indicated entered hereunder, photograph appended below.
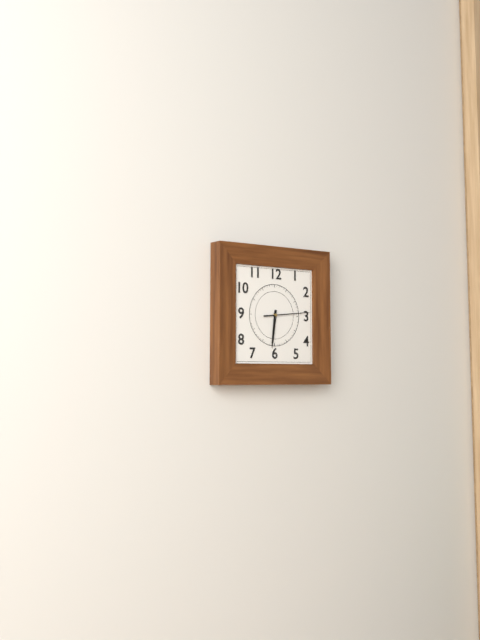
6:14
